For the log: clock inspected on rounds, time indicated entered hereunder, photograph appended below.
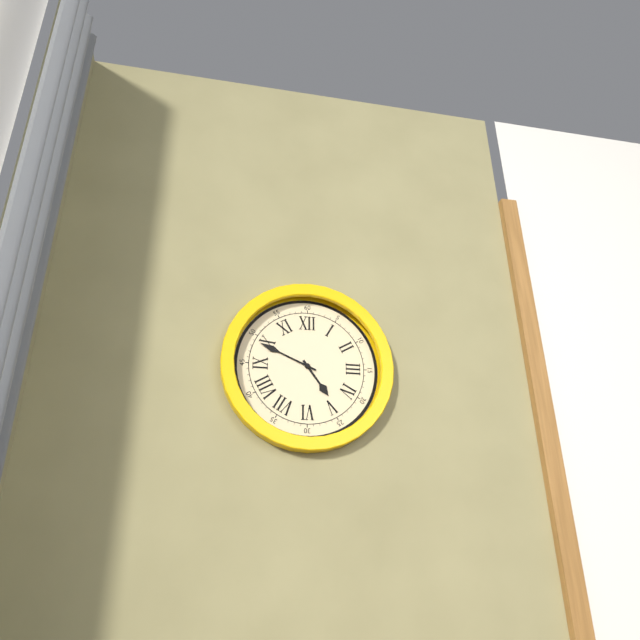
4:49
